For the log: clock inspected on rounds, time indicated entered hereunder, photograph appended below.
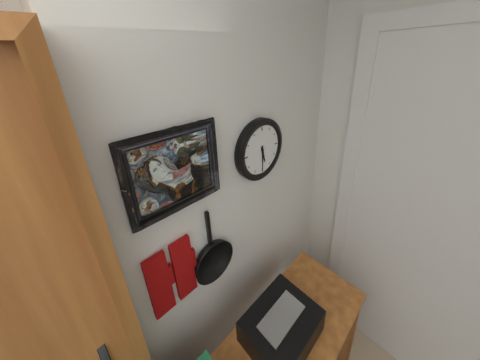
5:30
